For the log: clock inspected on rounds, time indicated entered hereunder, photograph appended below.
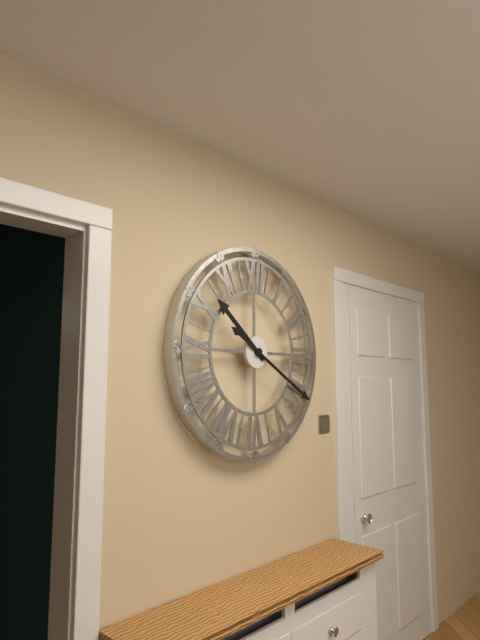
10:20
